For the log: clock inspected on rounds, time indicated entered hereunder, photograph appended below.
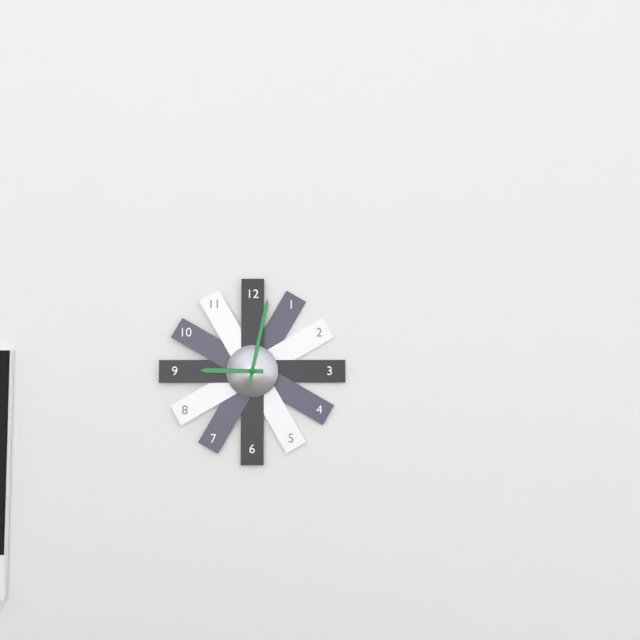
9:02
